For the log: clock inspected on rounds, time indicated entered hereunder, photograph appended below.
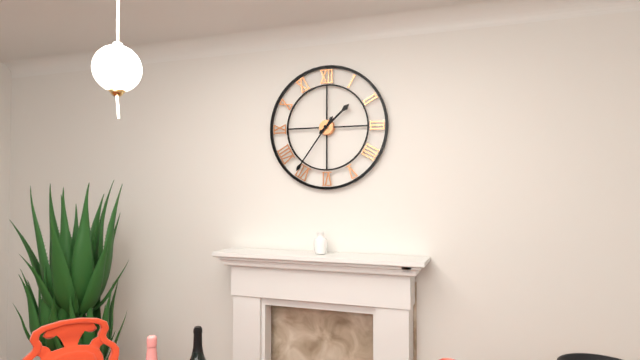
1:36
